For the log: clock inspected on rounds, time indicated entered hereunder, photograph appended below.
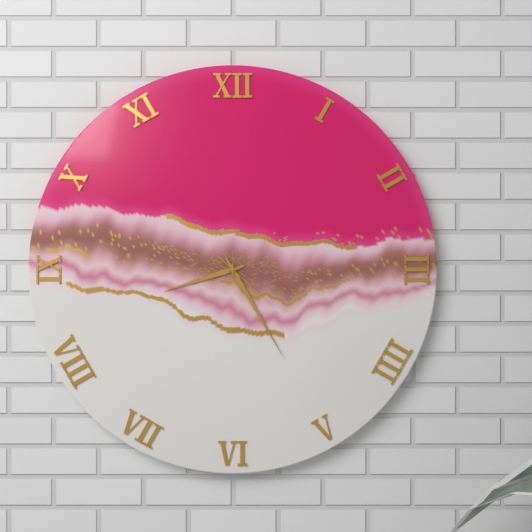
8:25:22
